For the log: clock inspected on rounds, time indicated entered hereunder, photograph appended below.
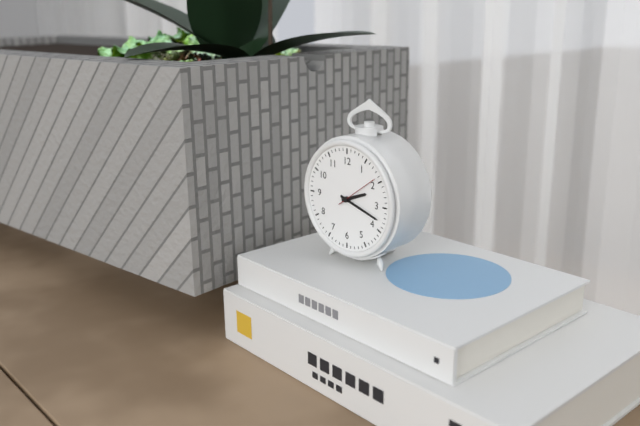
2:18
